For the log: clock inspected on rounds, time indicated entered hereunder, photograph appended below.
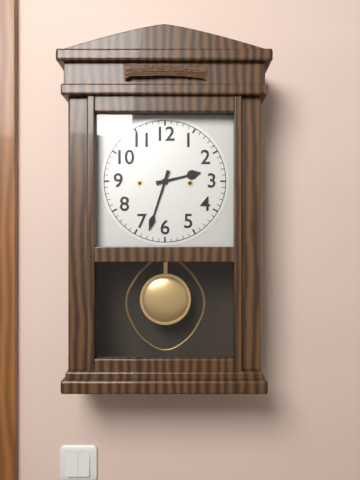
2:33
